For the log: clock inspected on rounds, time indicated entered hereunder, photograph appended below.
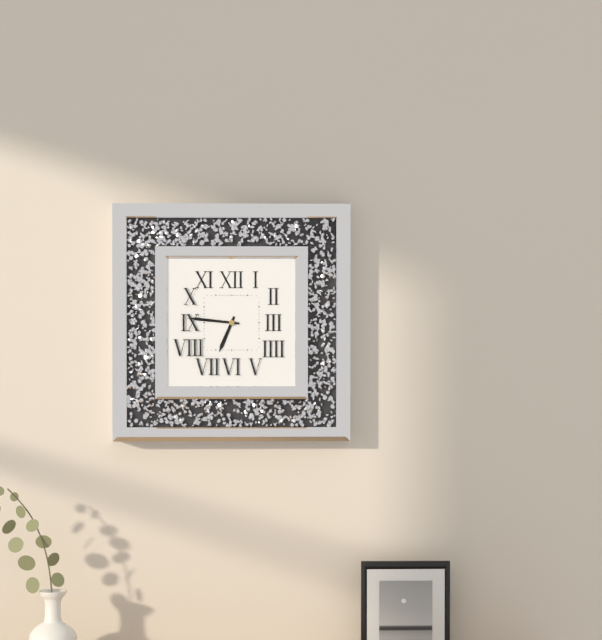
6:46
